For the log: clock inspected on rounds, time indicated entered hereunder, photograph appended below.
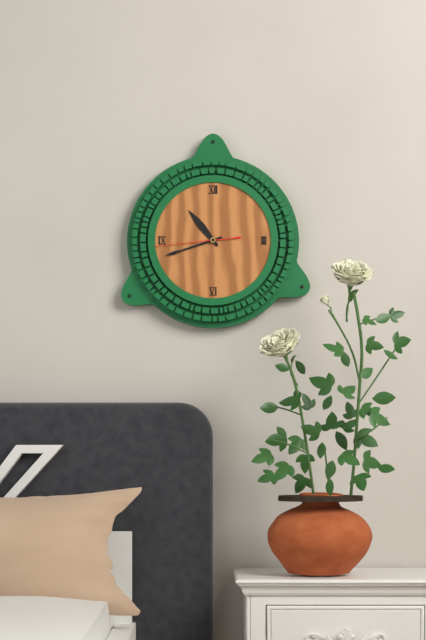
10:42:44
